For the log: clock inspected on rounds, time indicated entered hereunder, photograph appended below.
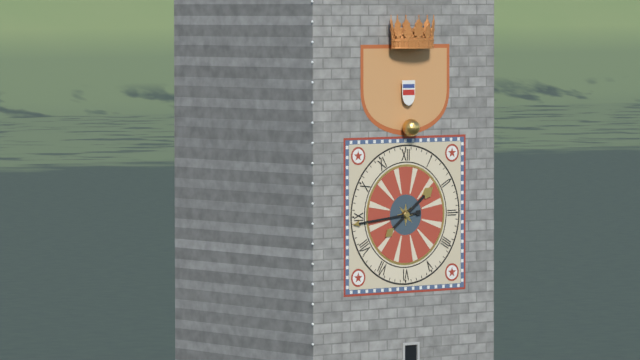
1:44
